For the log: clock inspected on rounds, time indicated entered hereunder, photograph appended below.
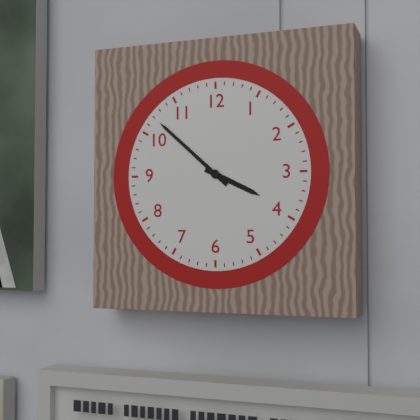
3:52
